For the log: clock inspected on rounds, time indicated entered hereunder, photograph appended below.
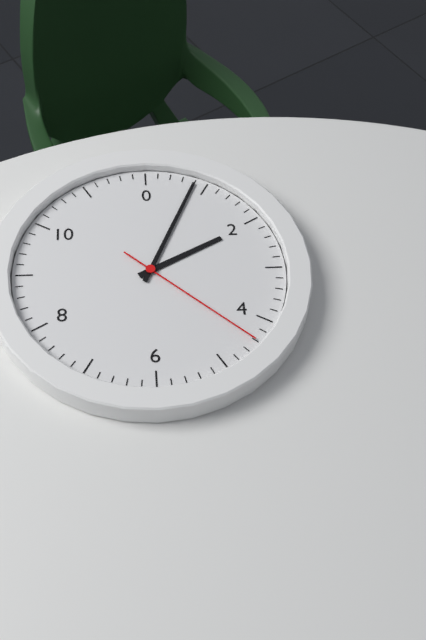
2:04:22
